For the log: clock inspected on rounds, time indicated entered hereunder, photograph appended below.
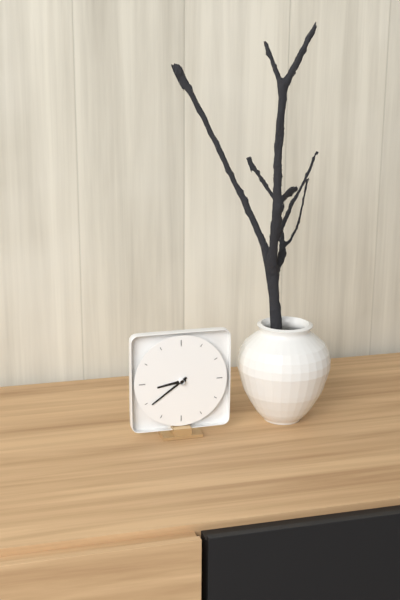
8:39
